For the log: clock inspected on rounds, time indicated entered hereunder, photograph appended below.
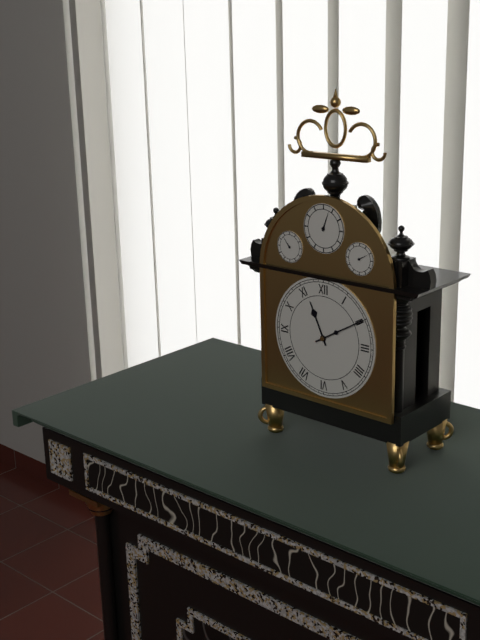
11:10
